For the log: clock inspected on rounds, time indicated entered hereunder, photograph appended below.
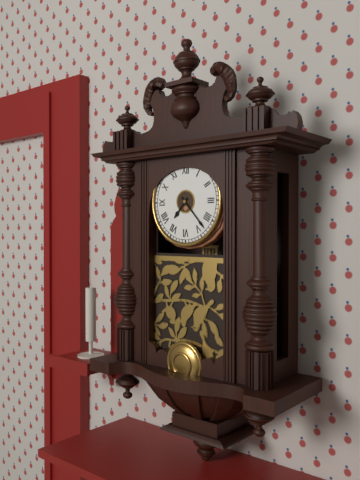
7:23
